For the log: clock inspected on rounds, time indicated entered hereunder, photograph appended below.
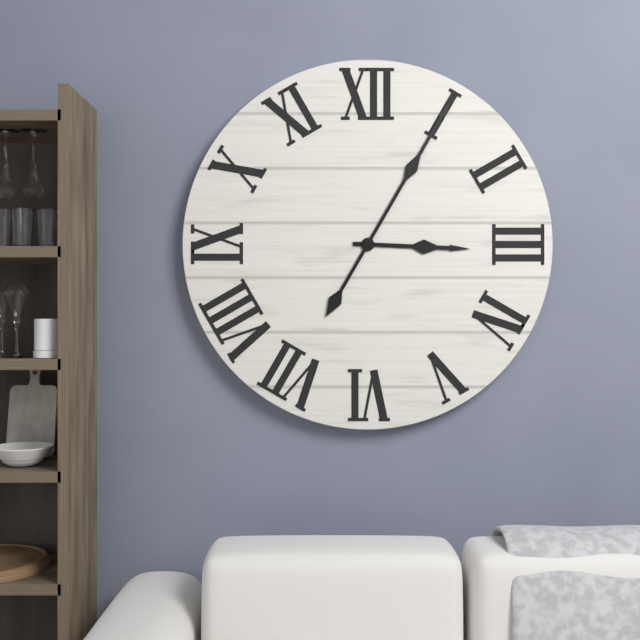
3:05
